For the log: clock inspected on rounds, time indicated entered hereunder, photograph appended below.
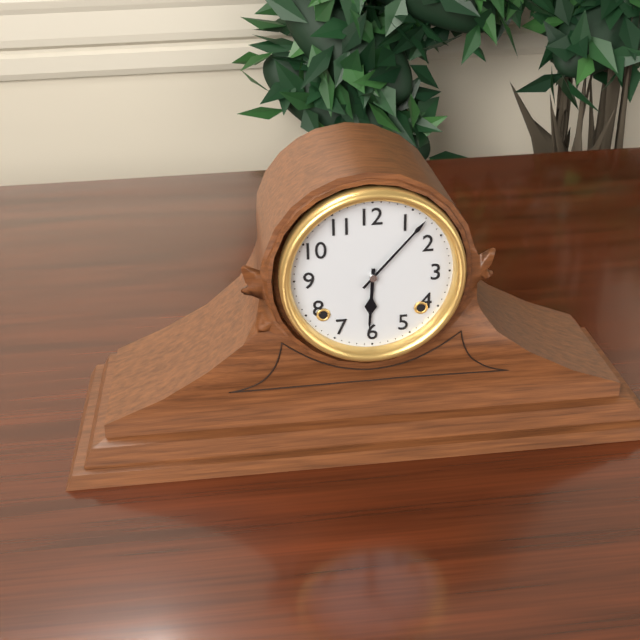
6:07
